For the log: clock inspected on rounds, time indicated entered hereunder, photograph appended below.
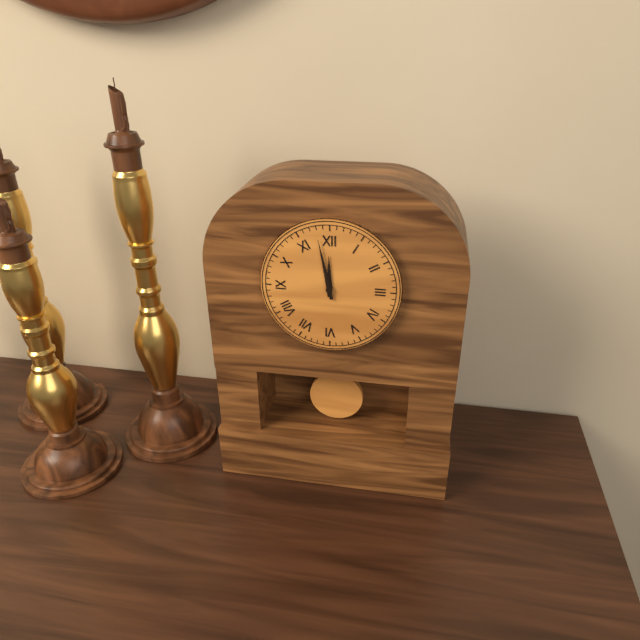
11:58
